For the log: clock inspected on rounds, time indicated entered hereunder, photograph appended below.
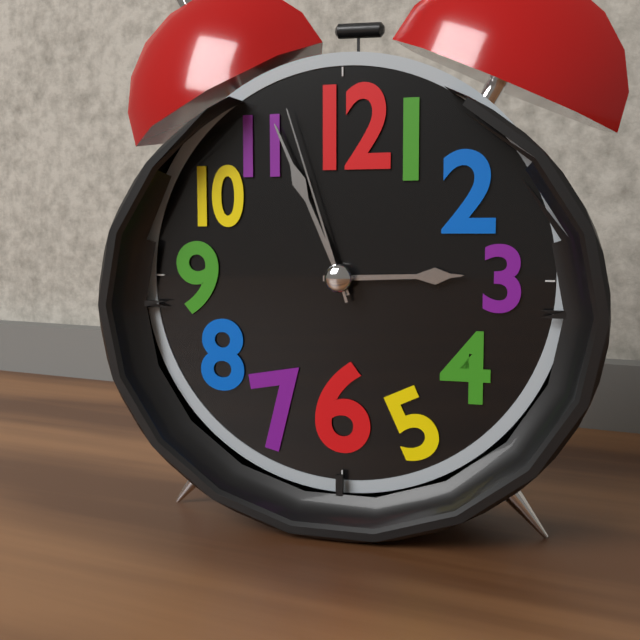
2:56:57
